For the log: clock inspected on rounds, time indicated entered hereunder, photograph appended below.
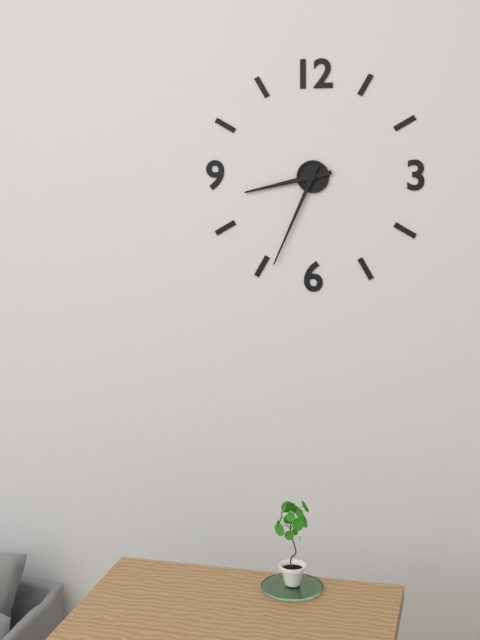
8:34
